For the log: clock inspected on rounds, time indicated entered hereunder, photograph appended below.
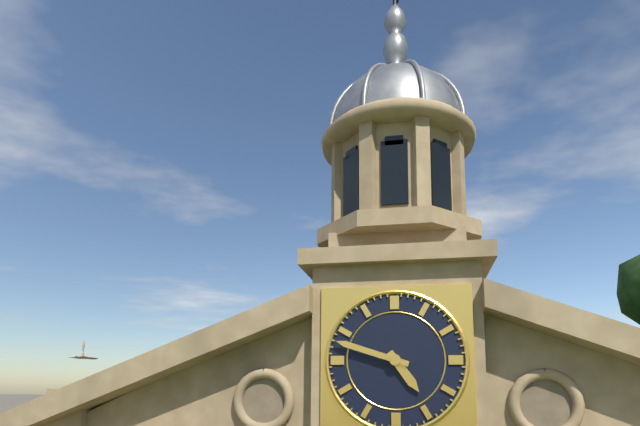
4:48
